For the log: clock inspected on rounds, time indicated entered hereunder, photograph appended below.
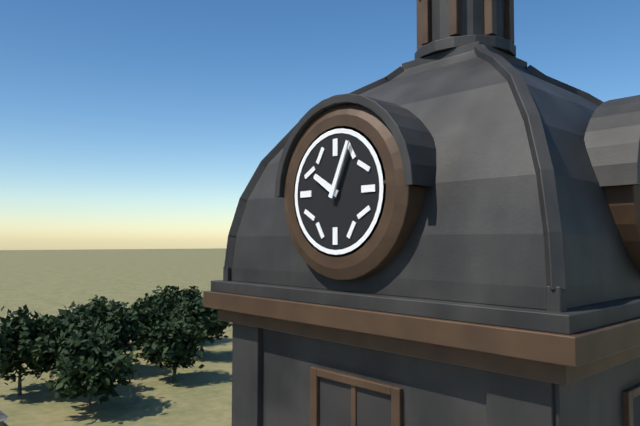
10:04
